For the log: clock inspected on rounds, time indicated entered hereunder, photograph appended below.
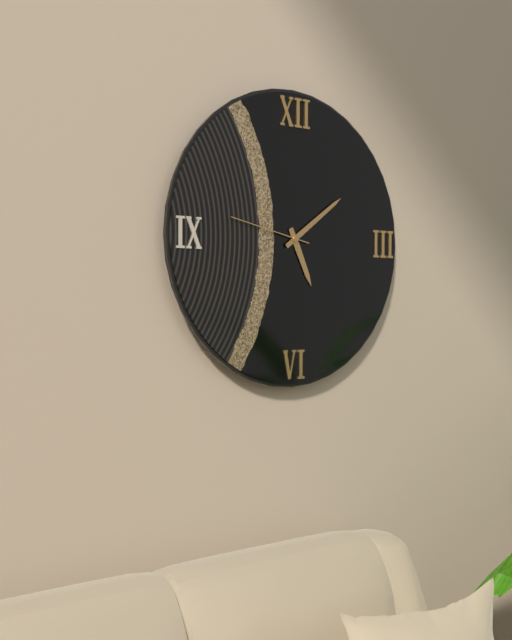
5:09:47
